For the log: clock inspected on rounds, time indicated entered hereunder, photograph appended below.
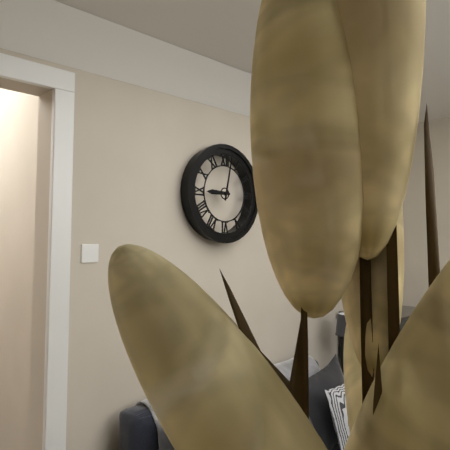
9:02
